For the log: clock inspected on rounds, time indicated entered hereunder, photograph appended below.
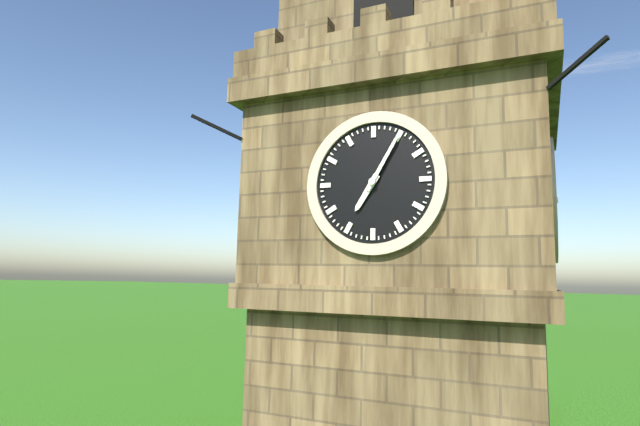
7:05
